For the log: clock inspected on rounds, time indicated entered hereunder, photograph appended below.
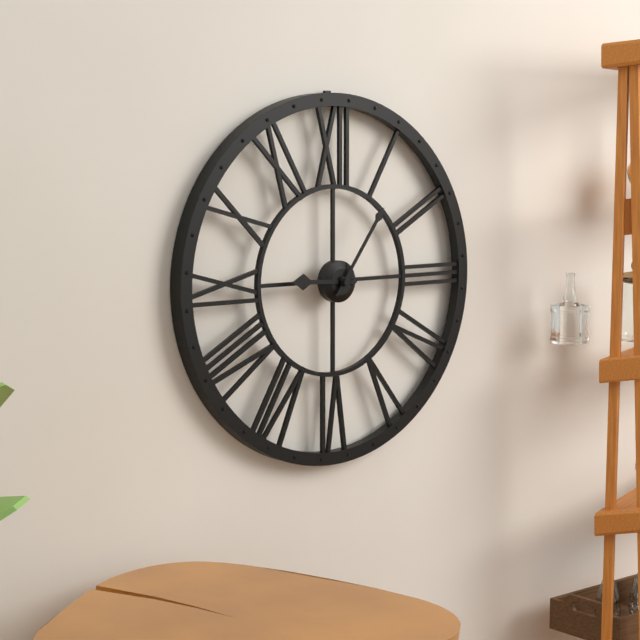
9:06
